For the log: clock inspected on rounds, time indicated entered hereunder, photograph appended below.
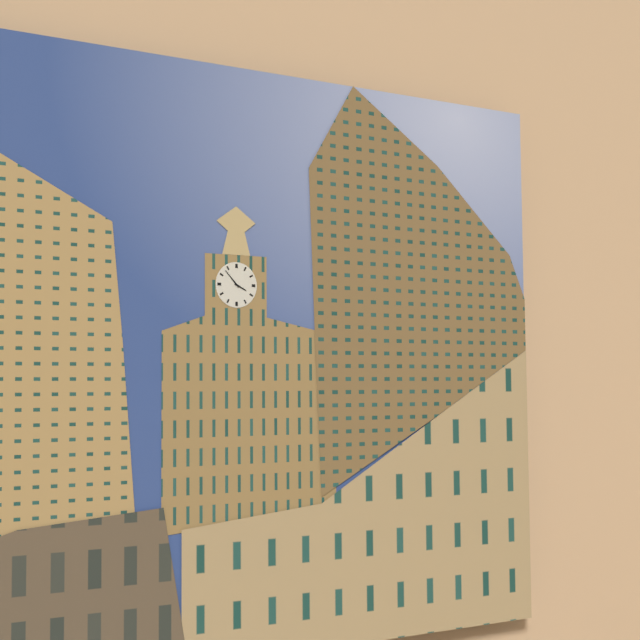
3:53
